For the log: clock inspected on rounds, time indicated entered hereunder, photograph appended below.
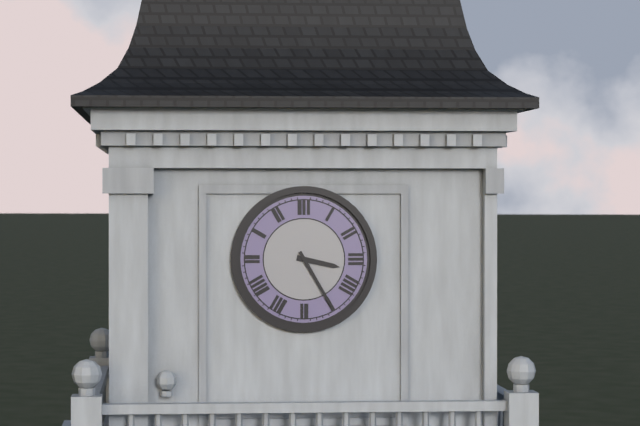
3:25
